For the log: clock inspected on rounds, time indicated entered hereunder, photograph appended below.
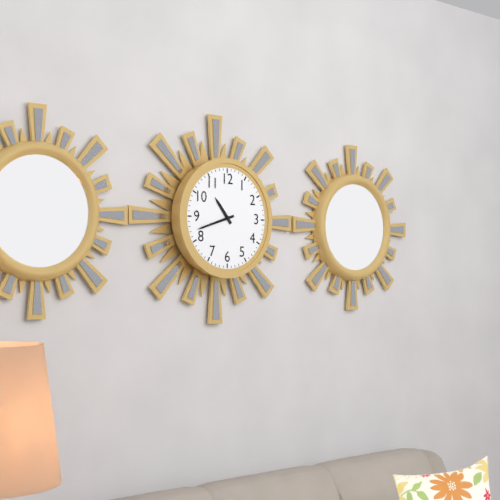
10:42
